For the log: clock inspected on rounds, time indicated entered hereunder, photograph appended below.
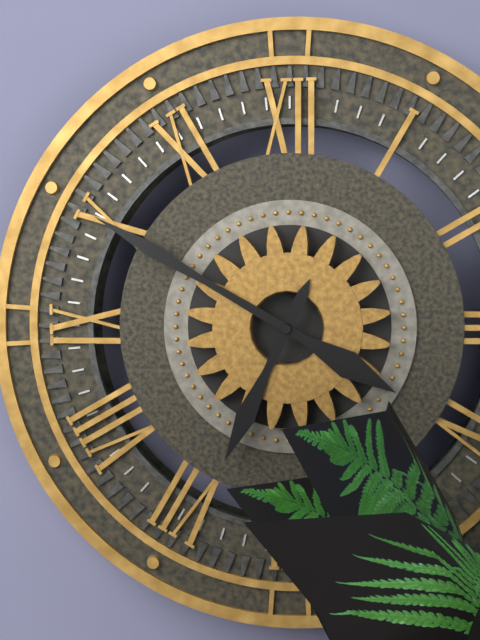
6:50
